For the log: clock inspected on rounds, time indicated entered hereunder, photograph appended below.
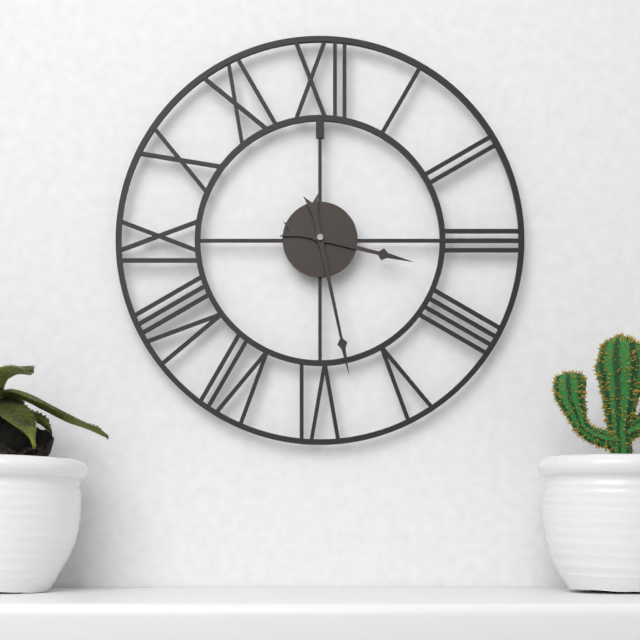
3:28
